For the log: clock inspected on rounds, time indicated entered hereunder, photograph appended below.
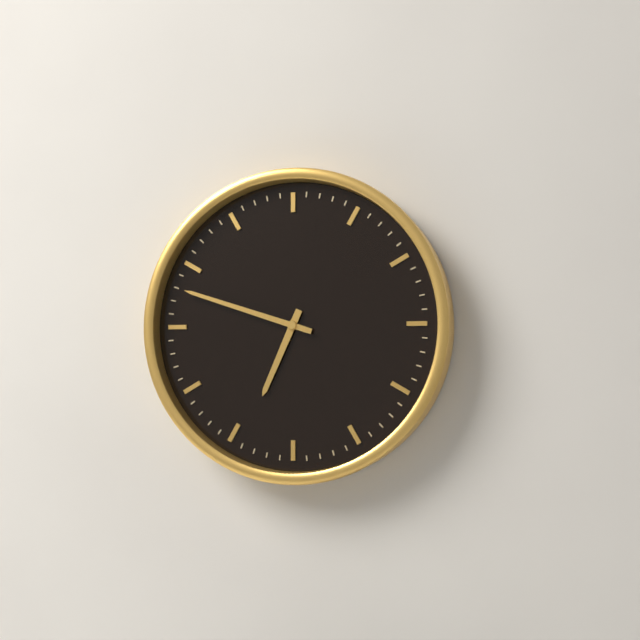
6:48
